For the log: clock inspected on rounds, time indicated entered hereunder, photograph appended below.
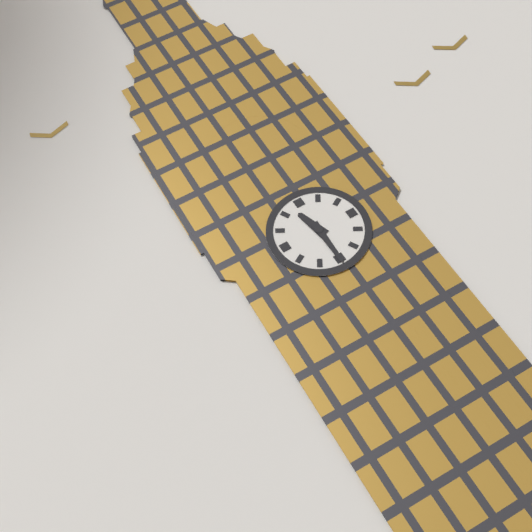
11:30
